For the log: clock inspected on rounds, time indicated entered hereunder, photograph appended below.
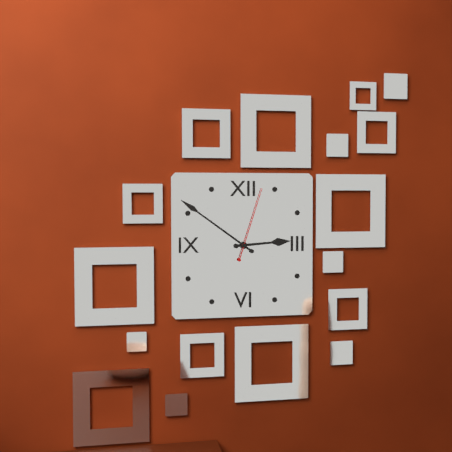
2:51:03
